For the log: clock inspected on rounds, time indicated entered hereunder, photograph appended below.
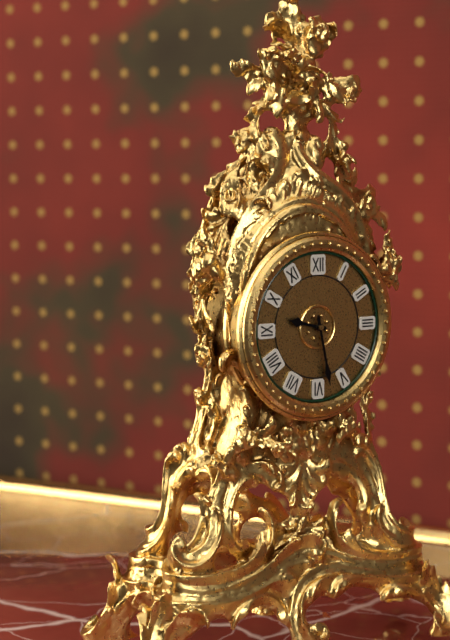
9:28
